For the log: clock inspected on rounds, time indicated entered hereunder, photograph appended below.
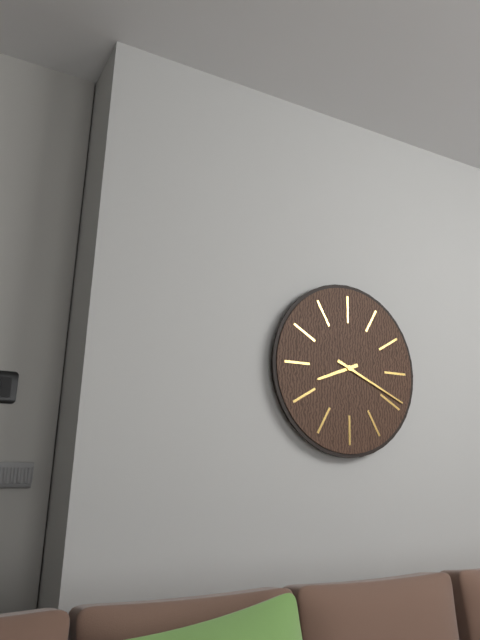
8:19
